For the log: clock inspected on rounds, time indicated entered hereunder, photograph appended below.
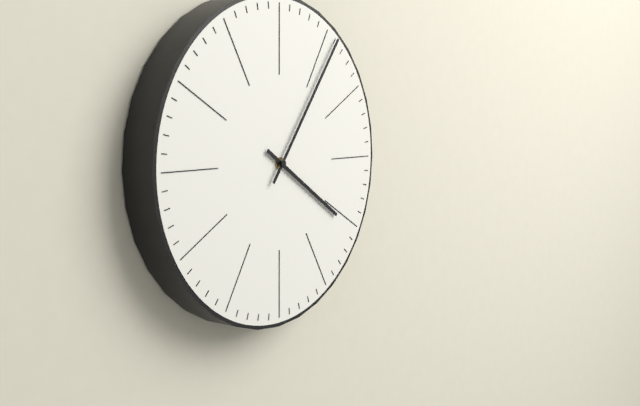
4:06
